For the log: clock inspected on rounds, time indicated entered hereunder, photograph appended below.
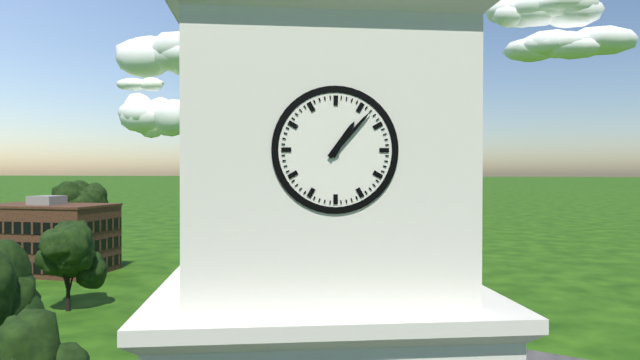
1:07
